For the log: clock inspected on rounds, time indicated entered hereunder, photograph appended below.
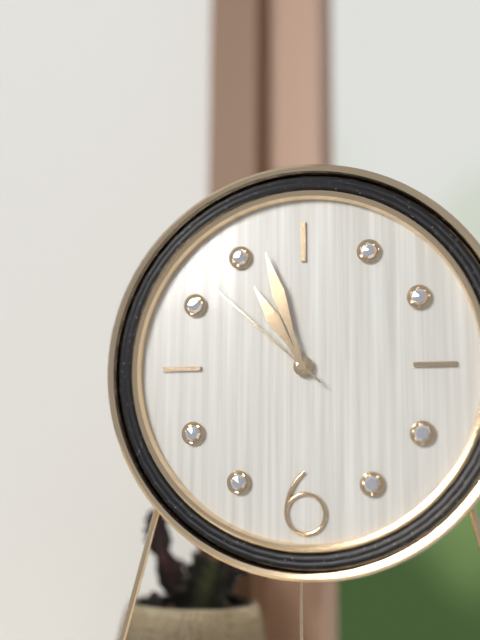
10:57:52
